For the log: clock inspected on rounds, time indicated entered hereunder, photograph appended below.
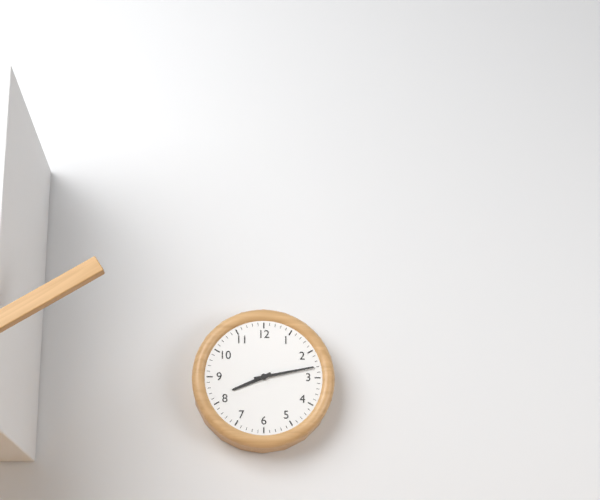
8:13
